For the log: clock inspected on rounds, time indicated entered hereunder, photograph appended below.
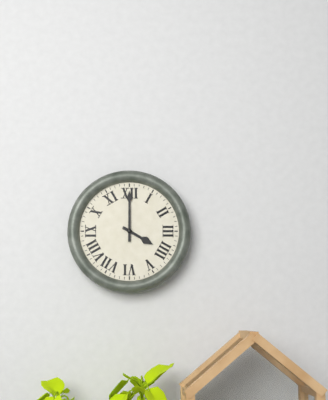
4:00
